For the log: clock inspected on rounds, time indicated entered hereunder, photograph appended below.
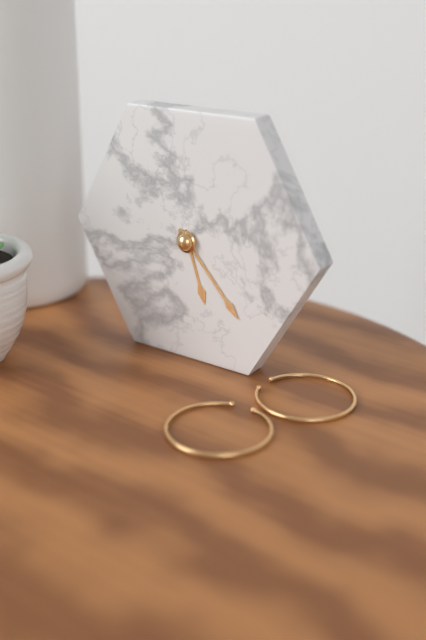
5:23
